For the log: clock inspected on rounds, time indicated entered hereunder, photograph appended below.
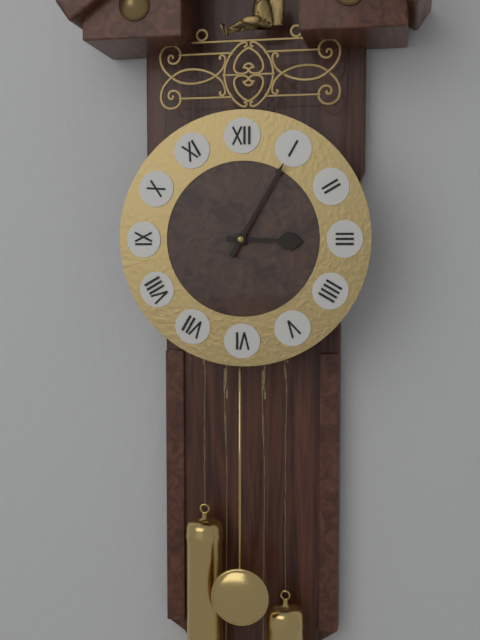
3:05
